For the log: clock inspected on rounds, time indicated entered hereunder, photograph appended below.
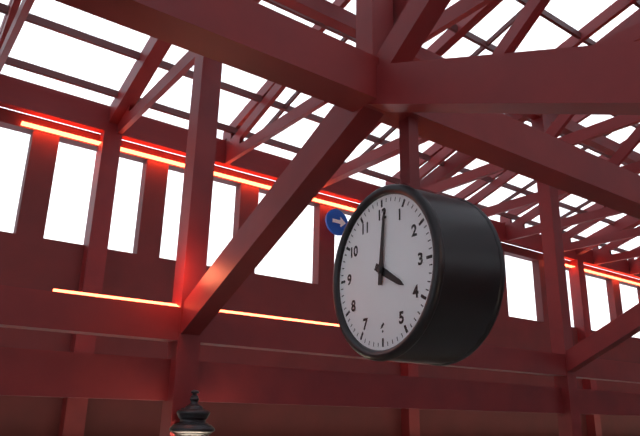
4:01
